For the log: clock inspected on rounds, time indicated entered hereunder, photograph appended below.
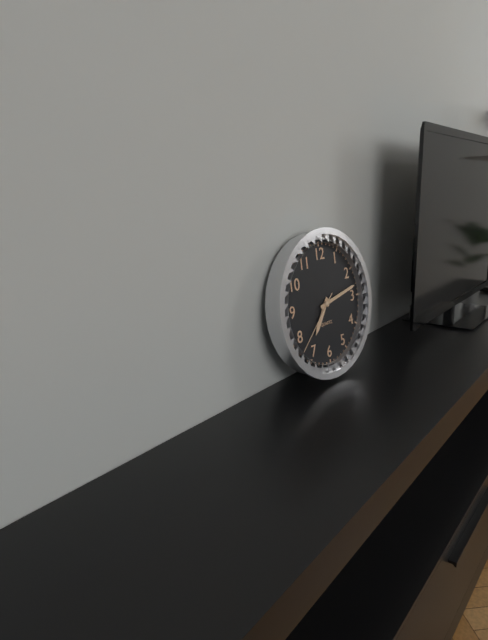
7:13:38
